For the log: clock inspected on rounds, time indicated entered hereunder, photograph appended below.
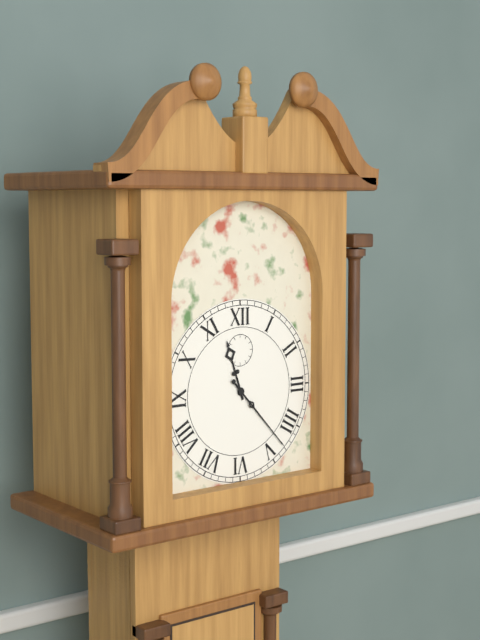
11:23
